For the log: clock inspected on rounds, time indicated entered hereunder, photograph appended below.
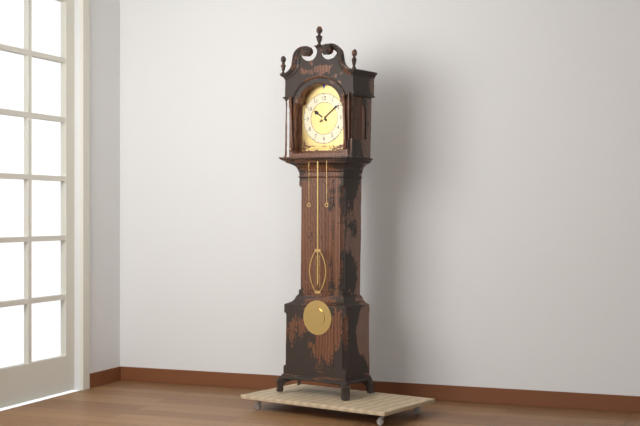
10:09
